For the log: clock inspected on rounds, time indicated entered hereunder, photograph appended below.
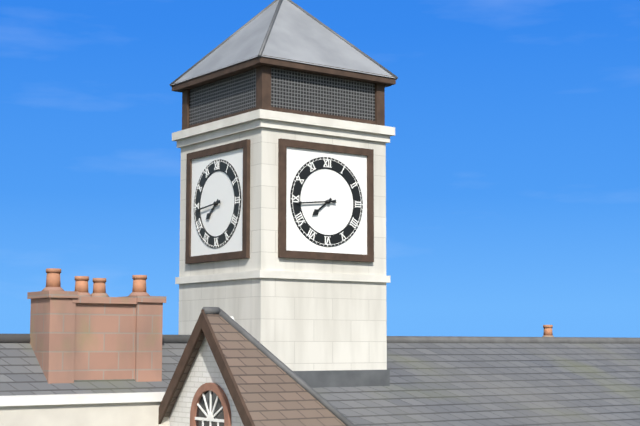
7:44
